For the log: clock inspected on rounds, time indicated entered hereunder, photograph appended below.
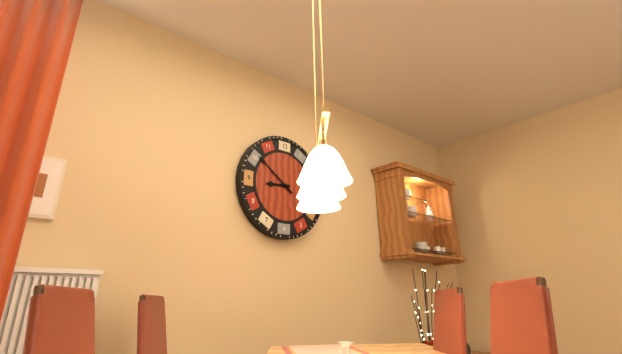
8:51
